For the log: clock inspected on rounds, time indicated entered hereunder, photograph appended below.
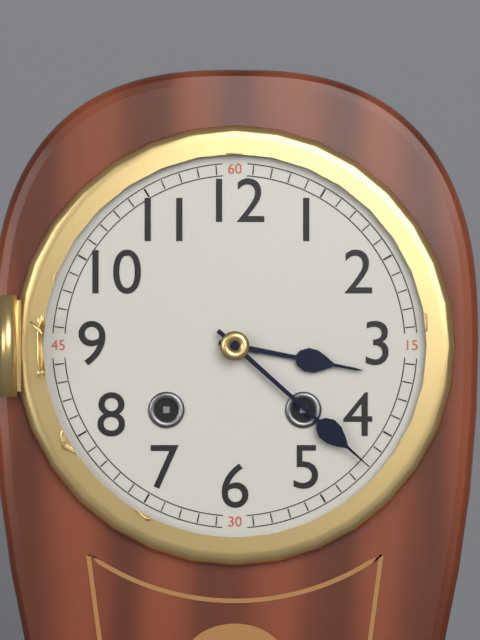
3:22
